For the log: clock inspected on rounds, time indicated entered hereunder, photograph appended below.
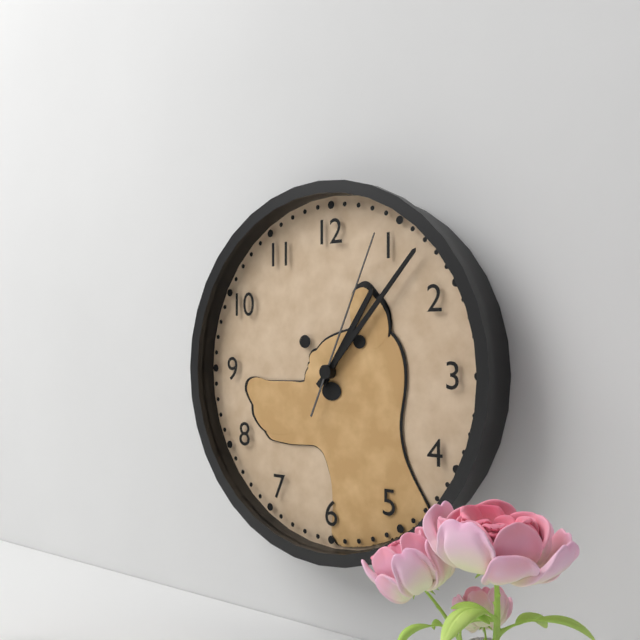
1:07:04
